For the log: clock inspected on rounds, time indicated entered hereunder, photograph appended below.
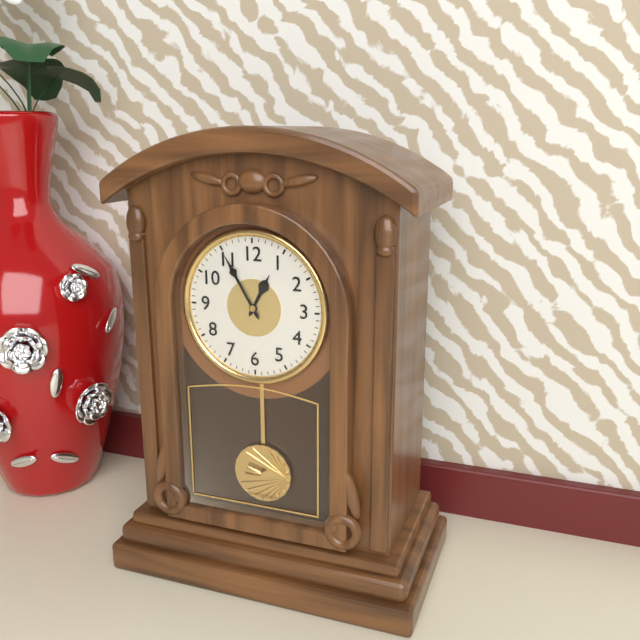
12:55
